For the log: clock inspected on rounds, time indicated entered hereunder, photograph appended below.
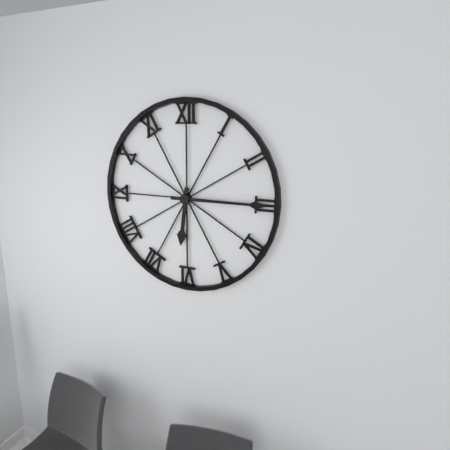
6:15
